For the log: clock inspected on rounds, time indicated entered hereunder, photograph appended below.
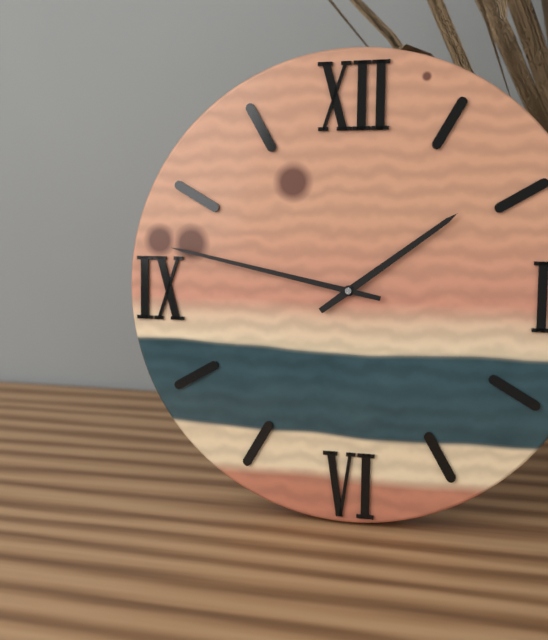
1:47
